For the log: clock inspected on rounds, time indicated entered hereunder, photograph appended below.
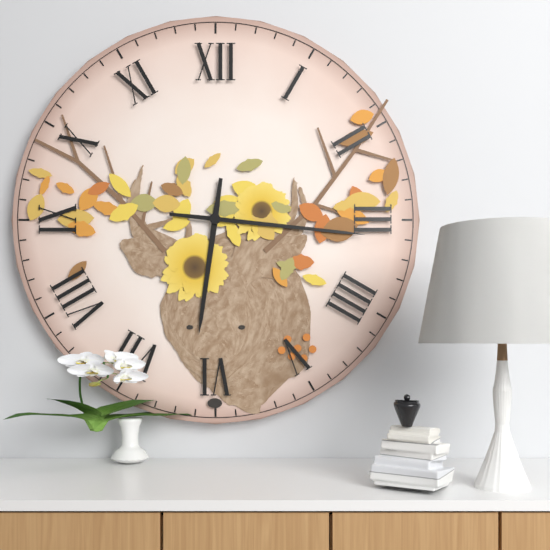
6:16
